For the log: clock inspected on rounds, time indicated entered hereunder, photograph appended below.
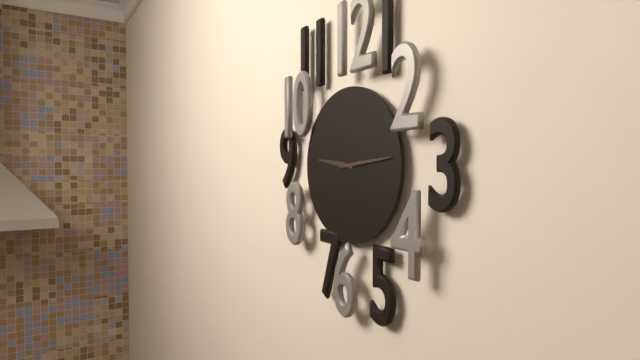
9:14
